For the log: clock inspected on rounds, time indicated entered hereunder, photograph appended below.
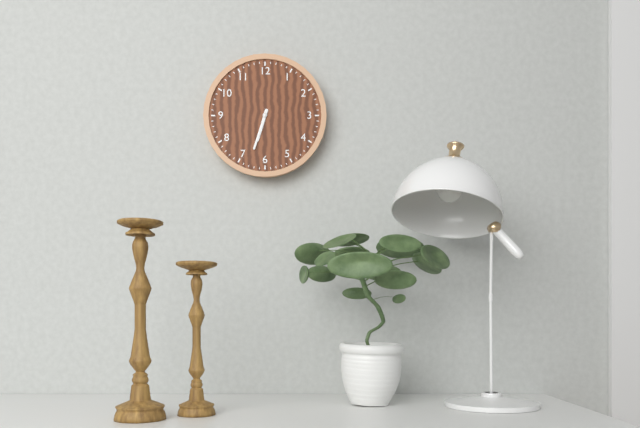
6:33
